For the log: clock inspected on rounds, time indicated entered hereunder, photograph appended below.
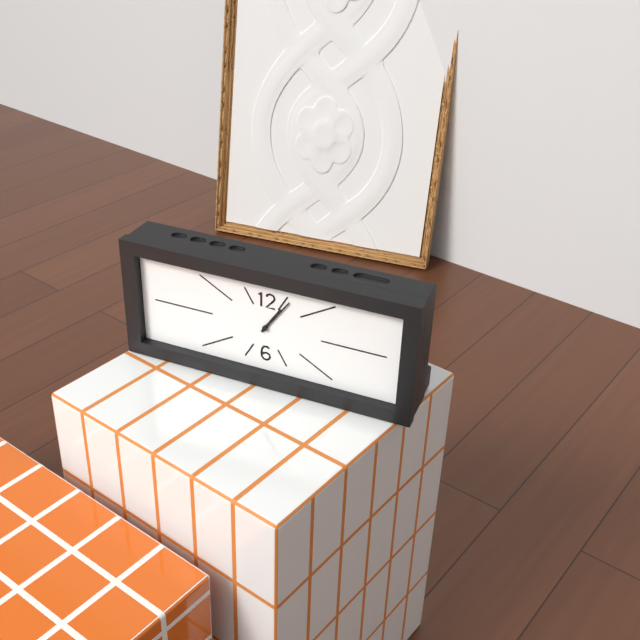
1:06
